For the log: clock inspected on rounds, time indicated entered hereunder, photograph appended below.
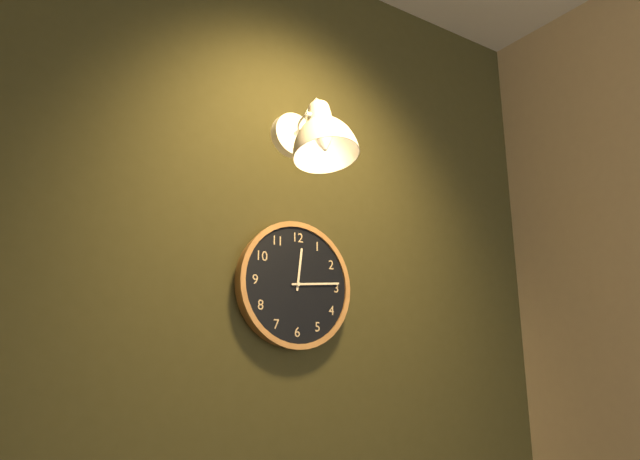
12:14
